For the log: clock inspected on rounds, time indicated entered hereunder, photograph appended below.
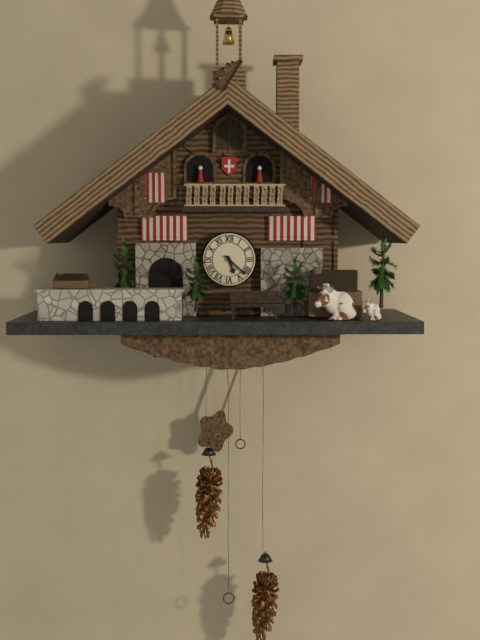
5:22
